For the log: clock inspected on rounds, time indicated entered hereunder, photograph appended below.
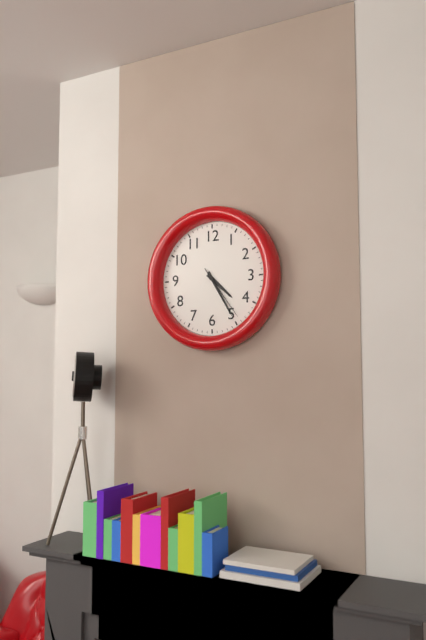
4:25:24
